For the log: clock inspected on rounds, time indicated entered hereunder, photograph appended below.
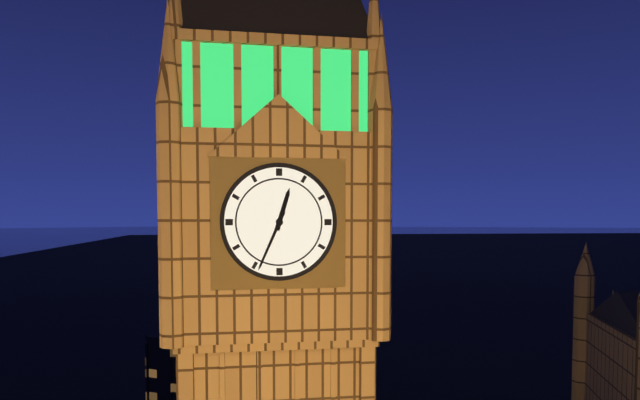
12:34
